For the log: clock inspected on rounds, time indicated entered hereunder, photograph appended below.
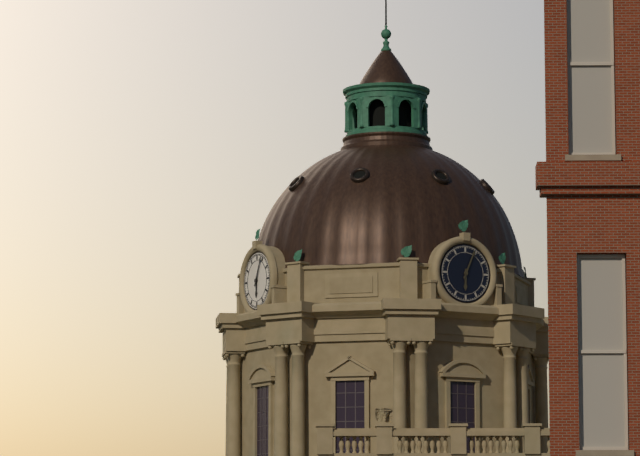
6:04
